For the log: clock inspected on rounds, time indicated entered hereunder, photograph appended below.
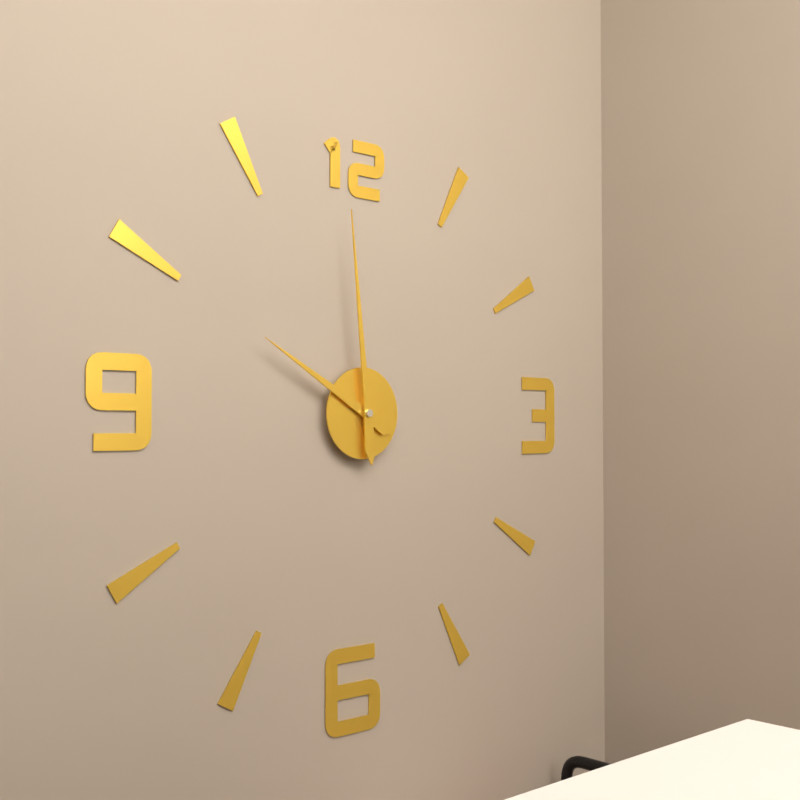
9:59
